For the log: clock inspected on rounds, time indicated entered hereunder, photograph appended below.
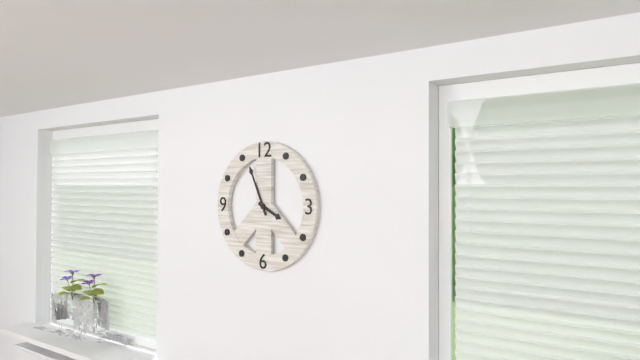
3:56
